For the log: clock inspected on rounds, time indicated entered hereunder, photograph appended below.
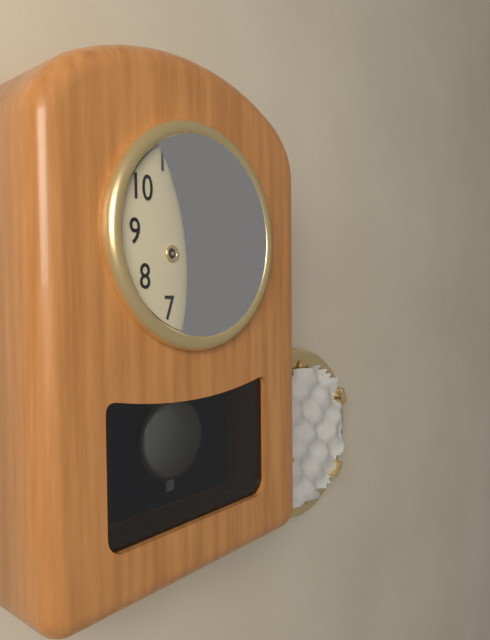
12:26
